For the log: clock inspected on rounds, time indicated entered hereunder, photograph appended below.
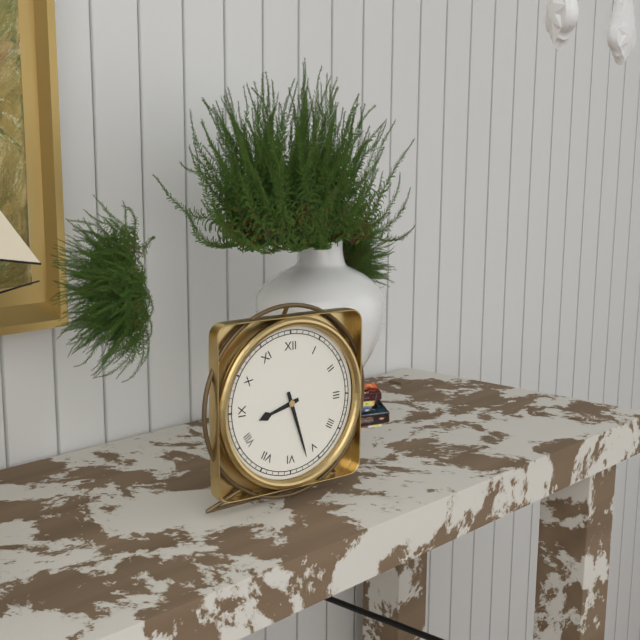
8:27
